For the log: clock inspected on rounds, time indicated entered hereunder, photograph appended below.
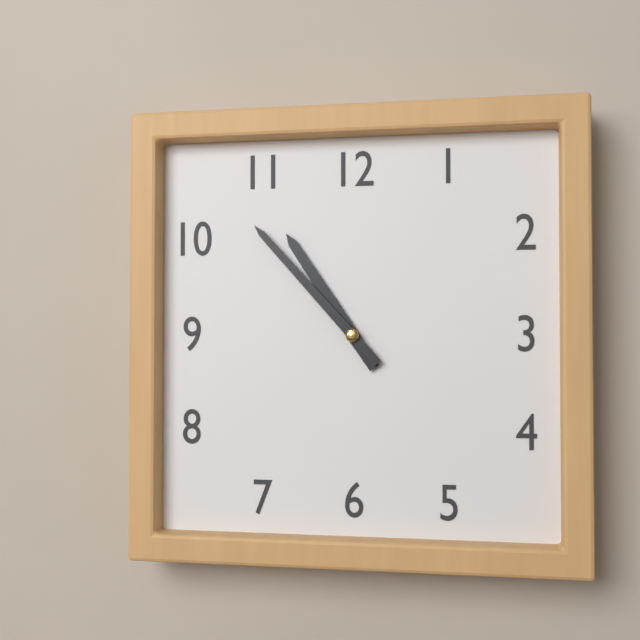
10:53
